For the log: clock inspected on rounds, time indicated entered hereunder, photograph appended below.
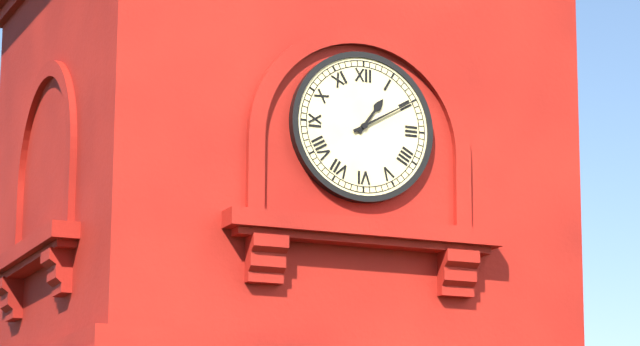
1:10
